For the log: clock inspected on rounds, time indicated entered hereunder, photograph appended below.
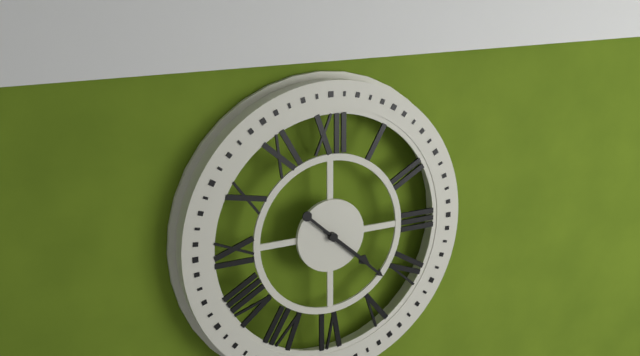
4:22
